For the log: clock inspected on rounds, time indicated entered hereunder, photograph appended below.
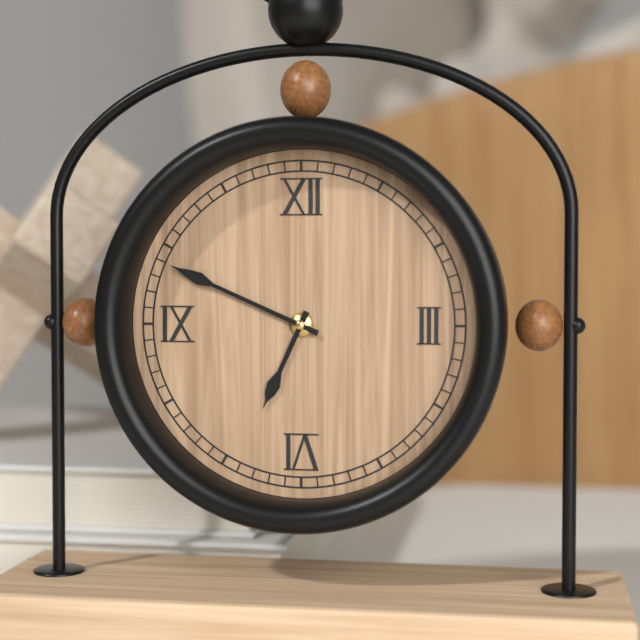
6:49
